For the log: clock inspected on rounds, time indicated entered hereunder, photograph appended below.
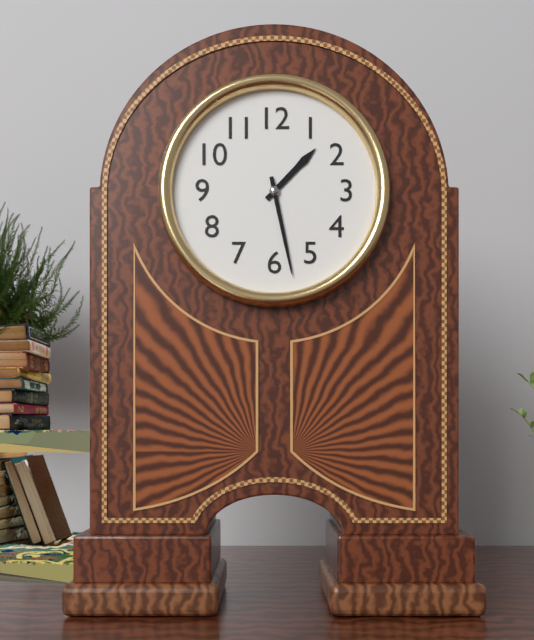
1:28
